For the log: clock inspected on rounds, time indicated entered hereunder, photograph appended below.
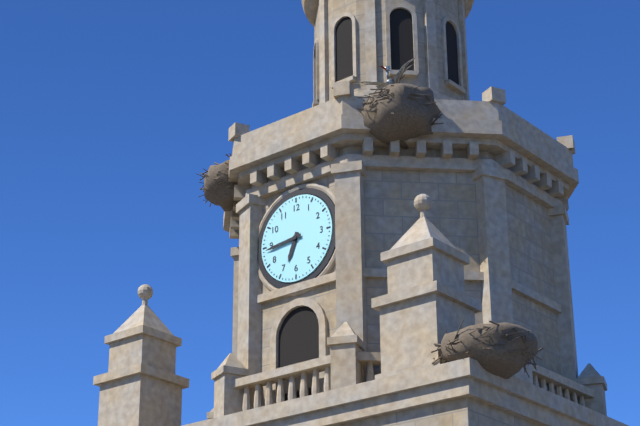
6:44
